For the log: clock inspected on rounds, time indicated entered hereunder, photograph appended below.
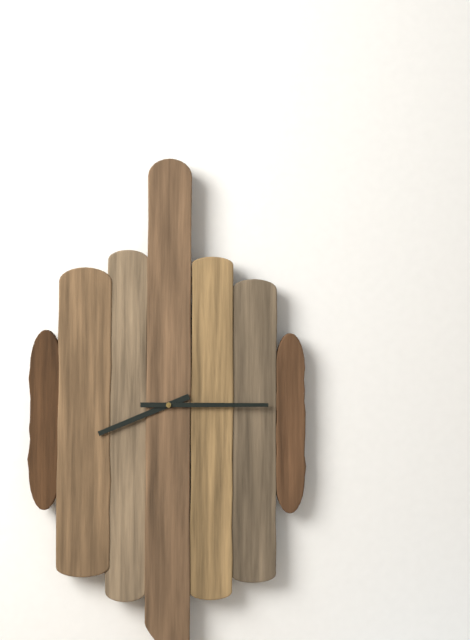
8:15
